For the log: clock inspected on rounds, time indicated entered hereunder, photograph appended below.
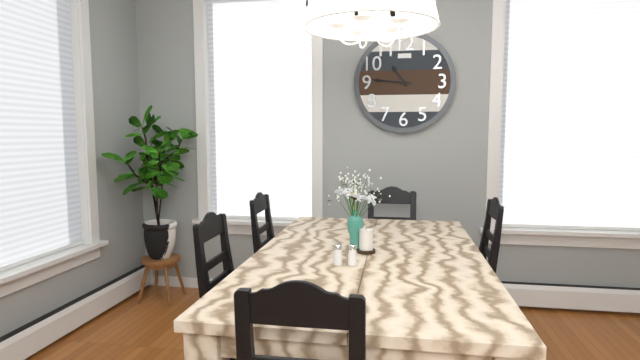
10:46
